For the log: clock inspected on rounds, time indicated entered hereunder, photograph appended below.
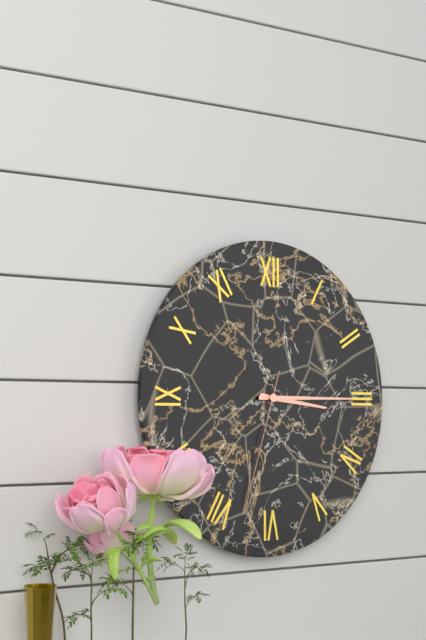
3:15:33
